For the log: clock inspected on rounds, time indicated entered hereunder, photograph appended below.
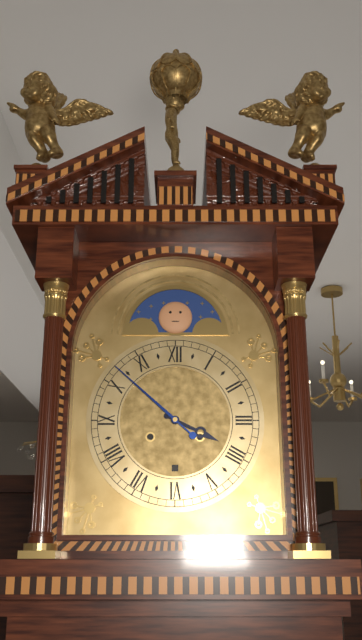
3:52
